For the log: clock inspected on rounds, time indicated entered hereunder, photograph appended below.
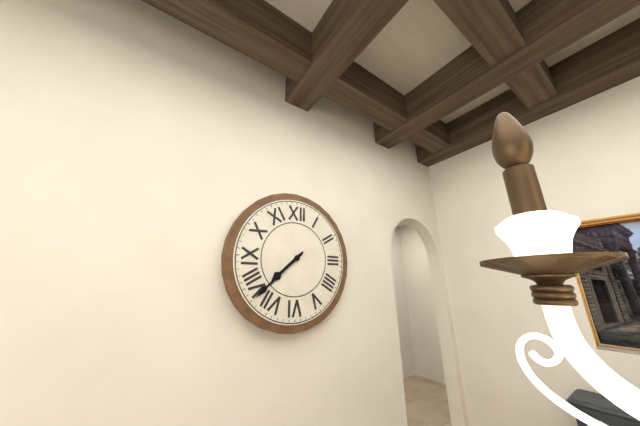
7:38
